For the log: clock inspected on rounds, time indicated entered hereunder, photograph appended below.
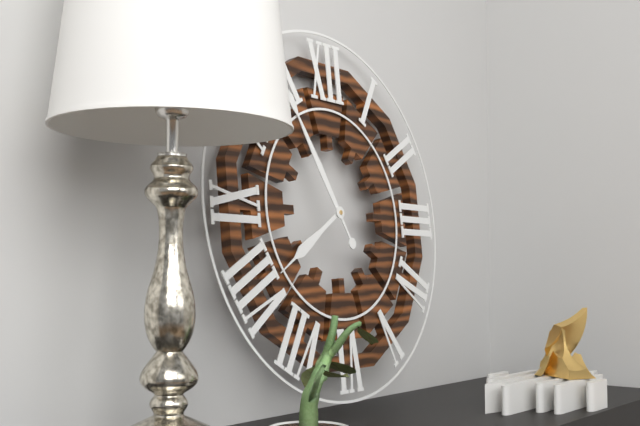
7:55
